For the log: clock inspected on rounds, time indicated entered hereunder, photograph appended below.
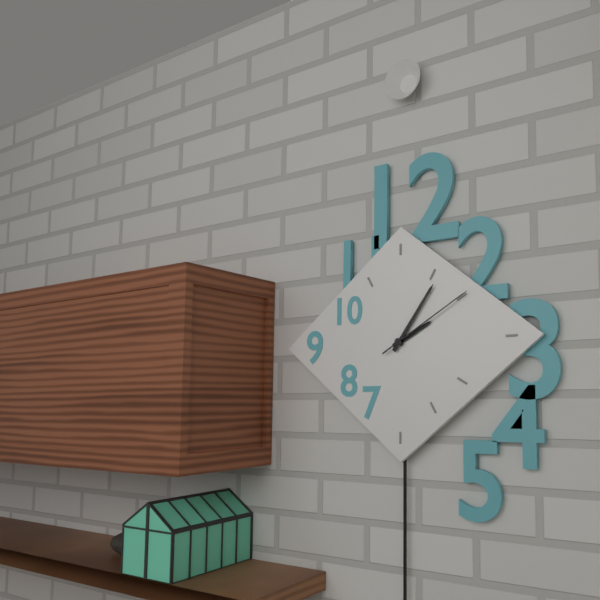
2:06:10
